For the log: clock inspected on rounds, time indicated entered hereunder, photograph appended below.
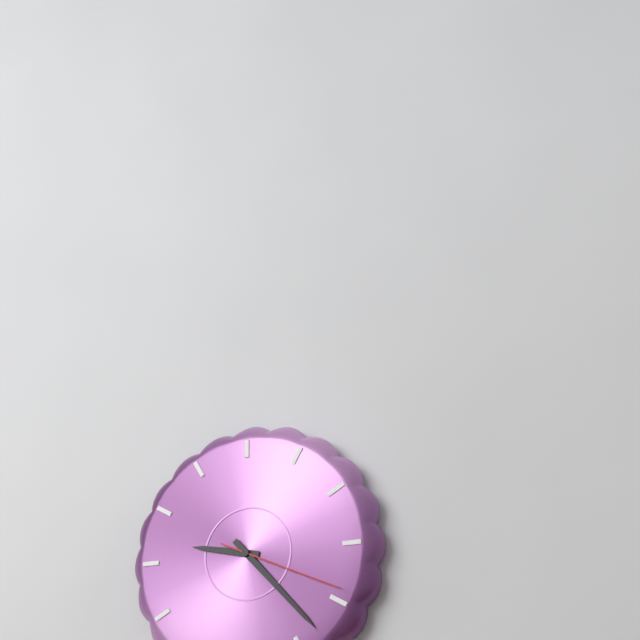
9:23:19
